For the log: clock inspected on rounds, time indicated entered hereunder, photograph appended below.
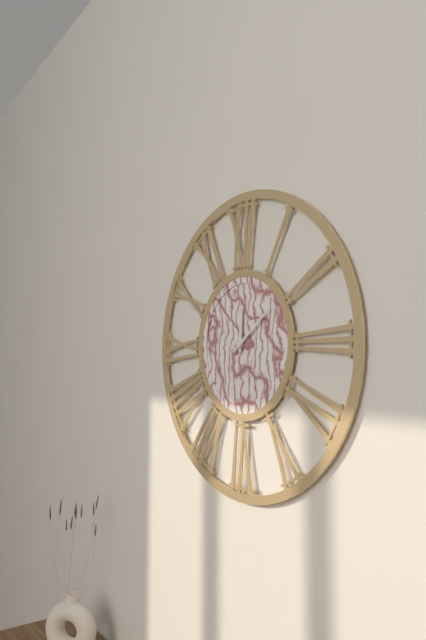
12:09
